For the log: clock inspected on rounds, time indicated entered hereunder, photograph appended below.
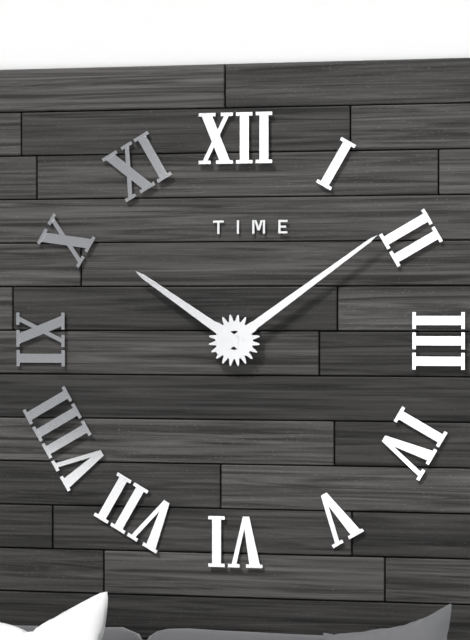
10:09
